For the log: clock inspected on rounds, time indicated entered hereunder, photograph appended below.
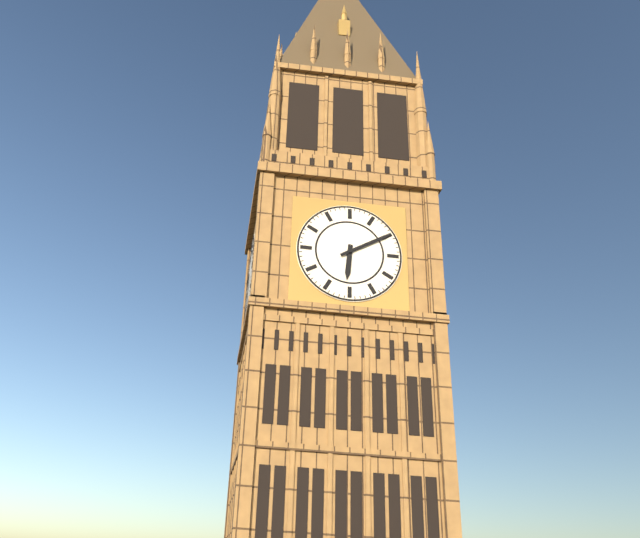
6:10
